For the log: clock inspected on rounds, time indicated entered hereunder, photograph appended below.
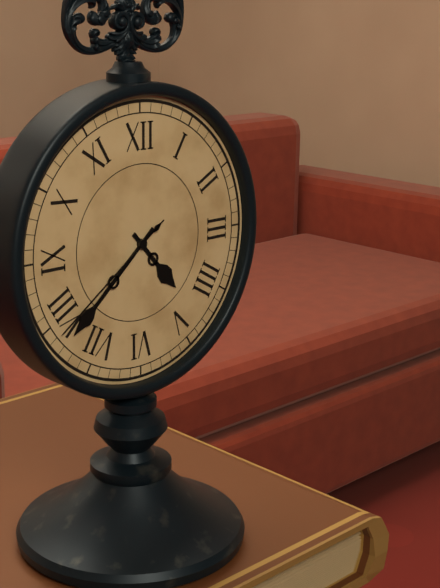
4:38:39
